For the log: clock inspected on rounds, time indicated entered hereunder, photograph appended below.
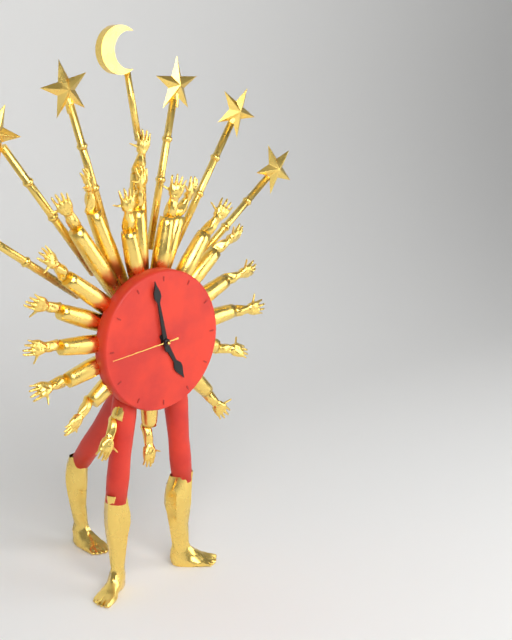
4:58:44
